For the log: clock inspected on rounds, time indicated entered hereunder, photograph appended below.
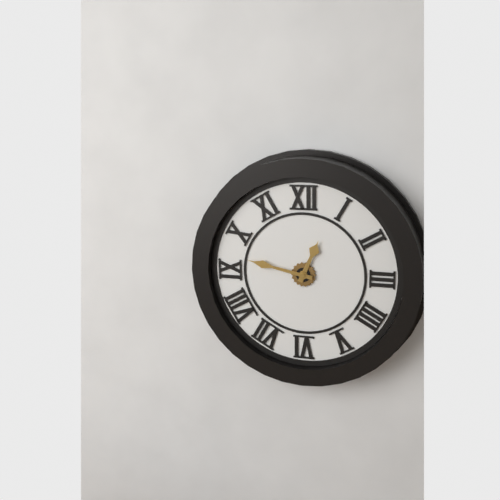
12:47
